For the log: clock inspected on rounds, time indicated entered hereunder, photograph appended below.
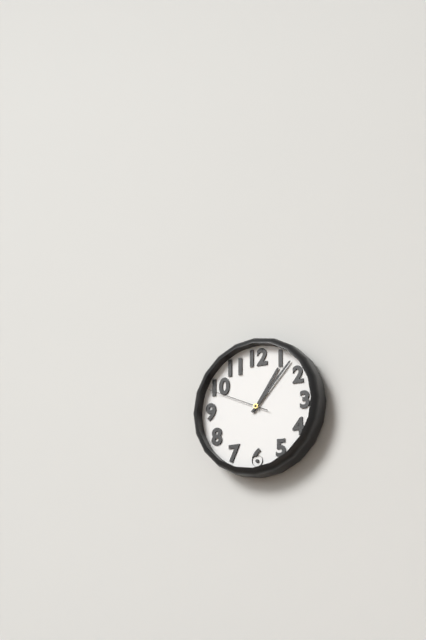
1:07:49
